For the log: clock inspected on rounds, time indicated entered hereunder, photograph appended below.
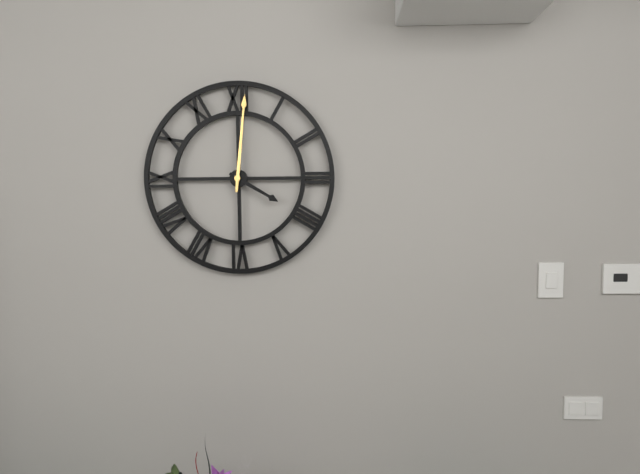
4:01
